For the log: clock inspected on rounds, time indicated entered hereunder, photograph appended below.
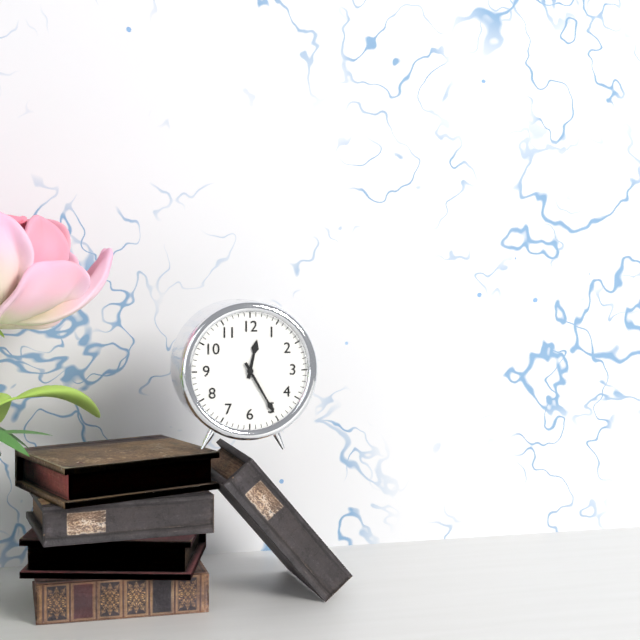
12:25
